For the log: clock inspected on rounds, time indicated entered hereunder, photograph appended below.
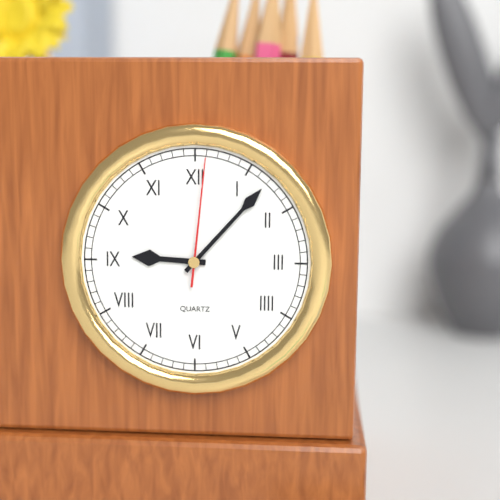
9:07:01
